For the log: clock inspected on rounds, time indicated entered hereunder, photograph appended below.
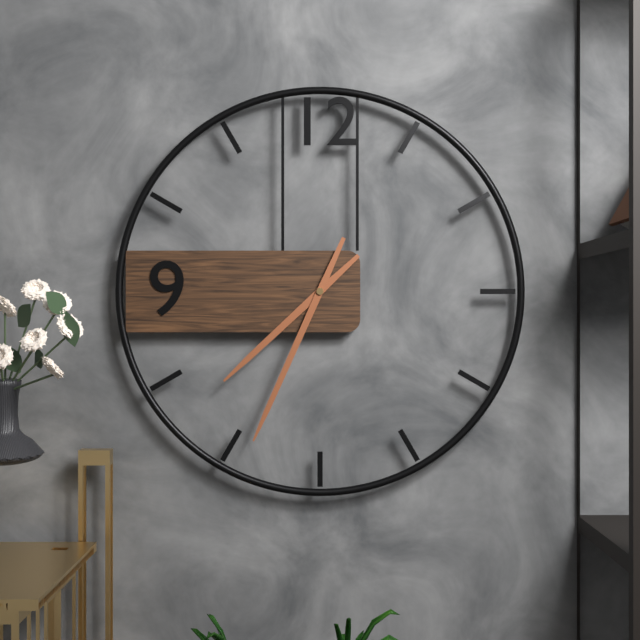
7:34
